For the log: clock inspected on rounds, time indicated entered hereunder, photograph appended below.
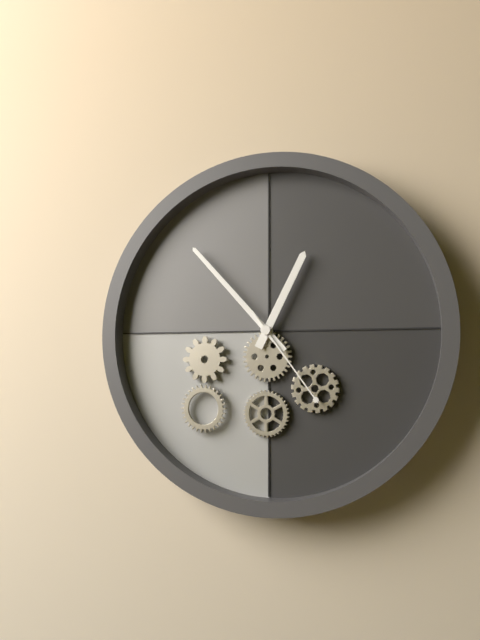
12:53:24
